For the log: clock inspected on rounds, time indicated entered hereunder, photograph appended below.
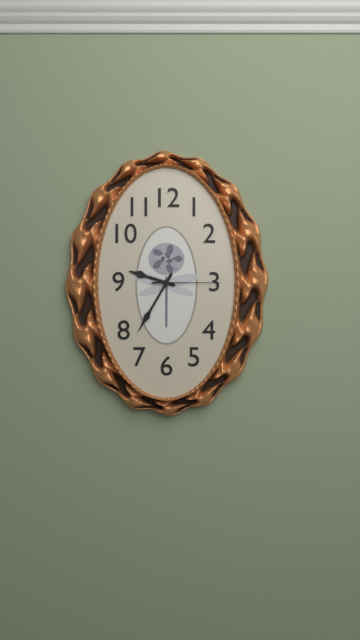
9:35:15
